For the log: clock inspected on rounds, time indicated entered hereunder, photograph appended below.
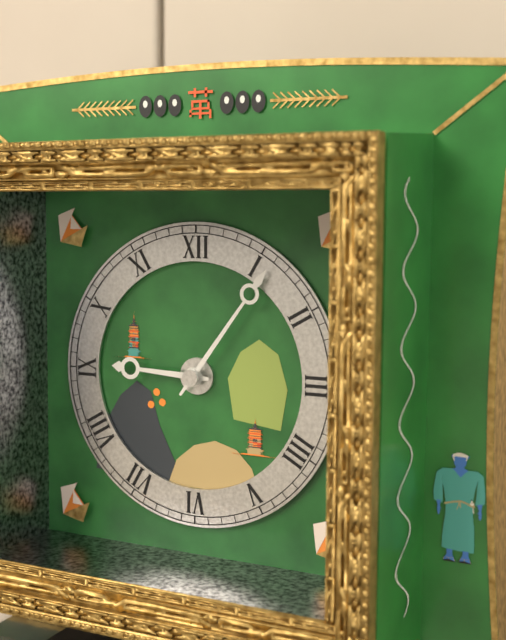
9:06
